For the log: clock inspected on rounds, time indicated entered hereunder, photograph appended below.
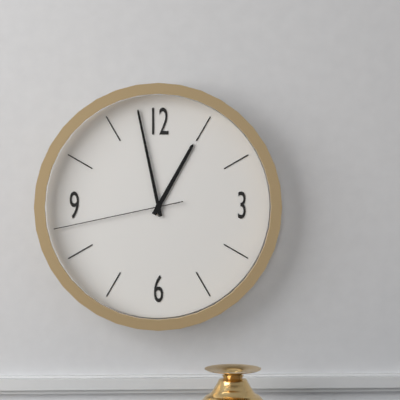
12:58:43
